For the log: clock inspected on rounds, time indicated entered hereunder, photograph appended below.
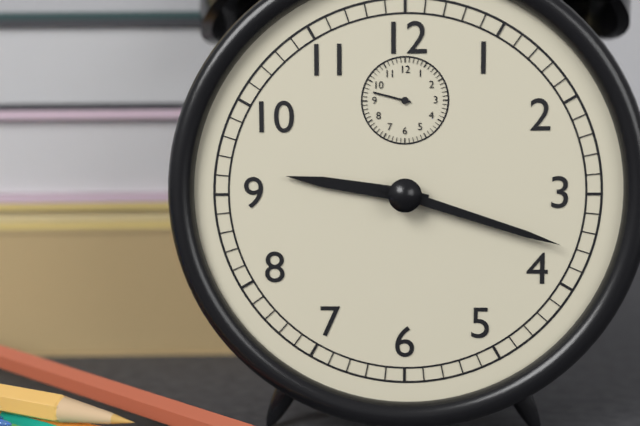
9:18
